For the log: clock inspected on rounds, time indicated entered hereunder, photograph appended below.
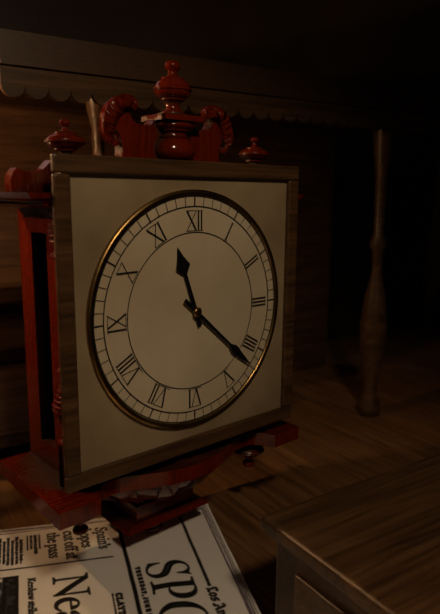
11:22
